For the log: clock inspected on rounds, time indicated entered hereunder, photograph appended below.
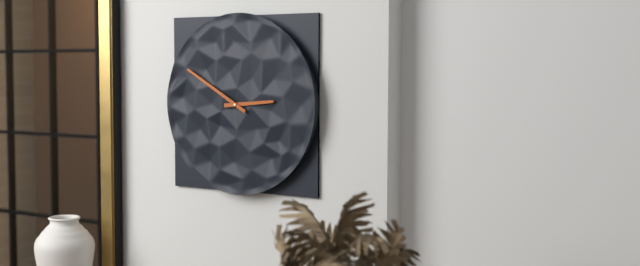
2:50
